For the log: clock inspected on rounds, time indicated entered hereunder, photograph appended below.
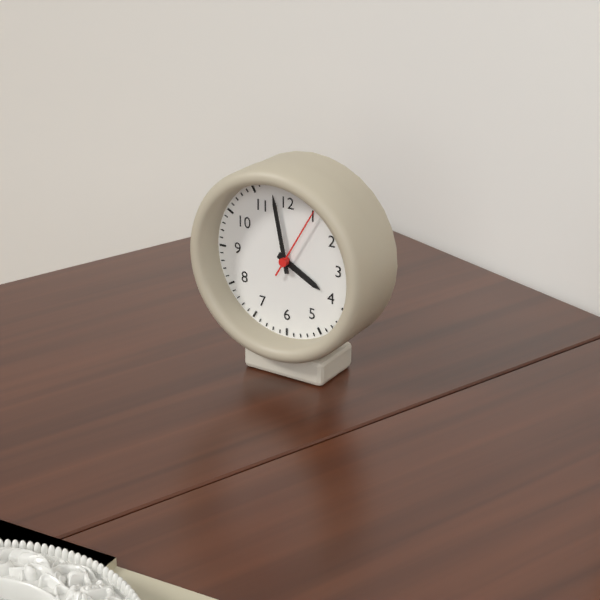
3:58:05
